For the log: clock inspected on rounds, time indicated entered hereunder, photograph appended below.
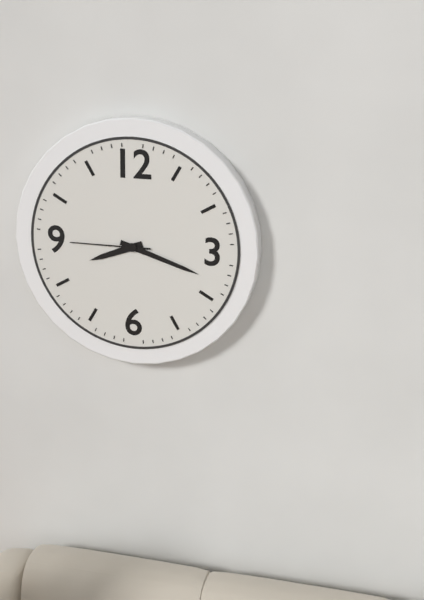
8:18:45
